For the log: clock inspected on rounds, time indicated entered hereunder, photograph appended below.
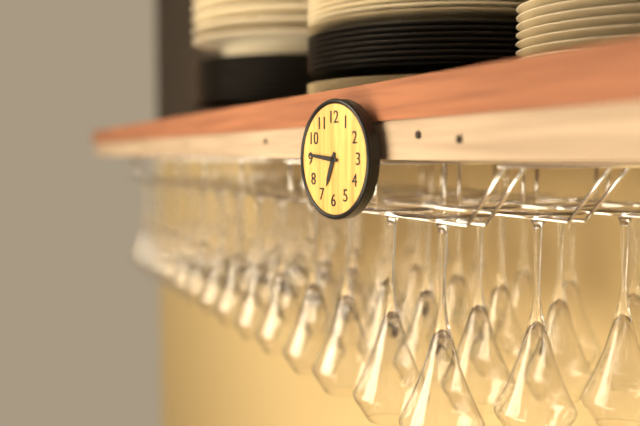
6:46
